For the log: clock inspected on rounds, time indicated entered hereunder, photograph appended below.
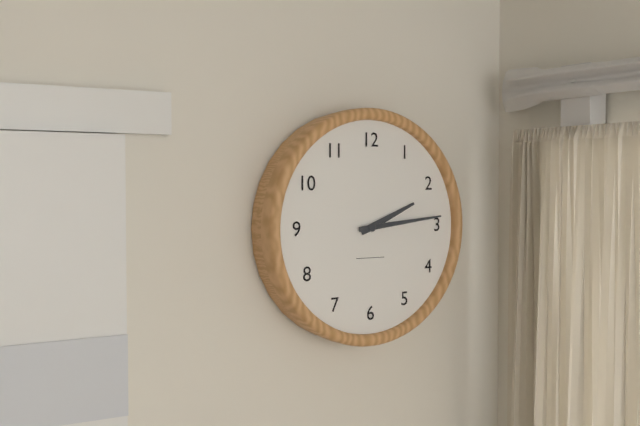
2:14
